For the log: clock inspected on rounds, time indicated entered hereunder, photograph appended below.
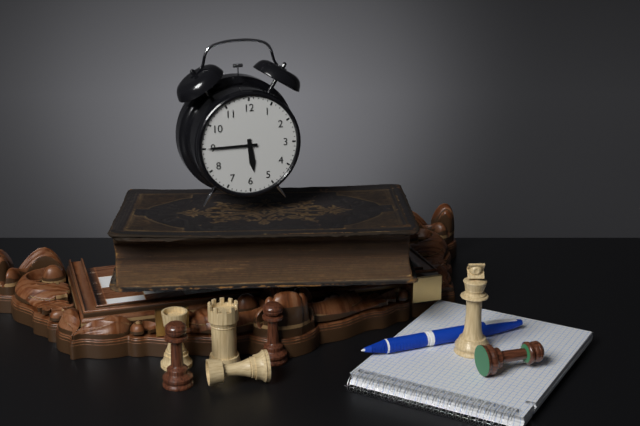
5:45
